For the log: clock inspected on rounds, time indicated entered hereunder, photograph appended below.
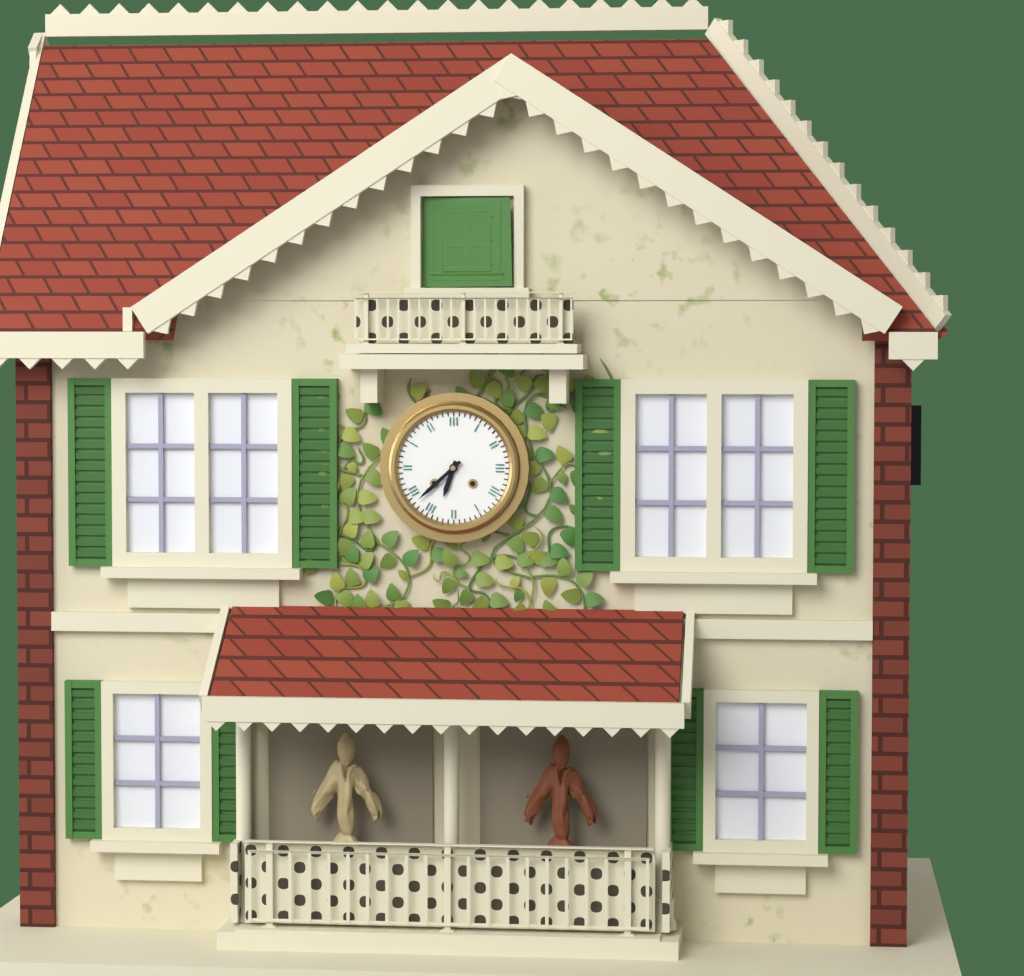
6:38
